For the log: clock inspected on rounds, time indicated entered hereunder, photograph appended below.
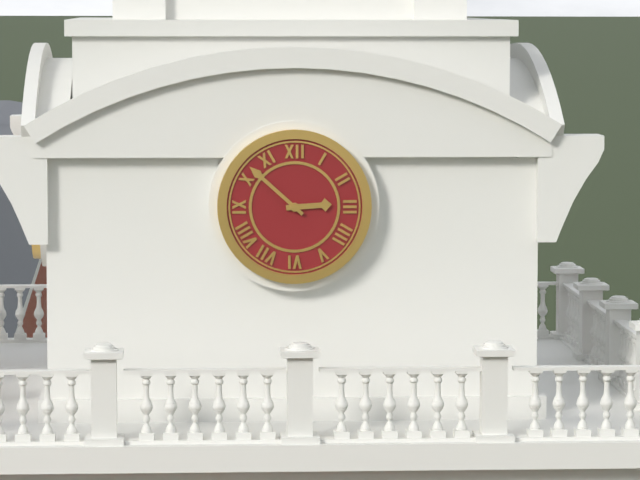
2:52
